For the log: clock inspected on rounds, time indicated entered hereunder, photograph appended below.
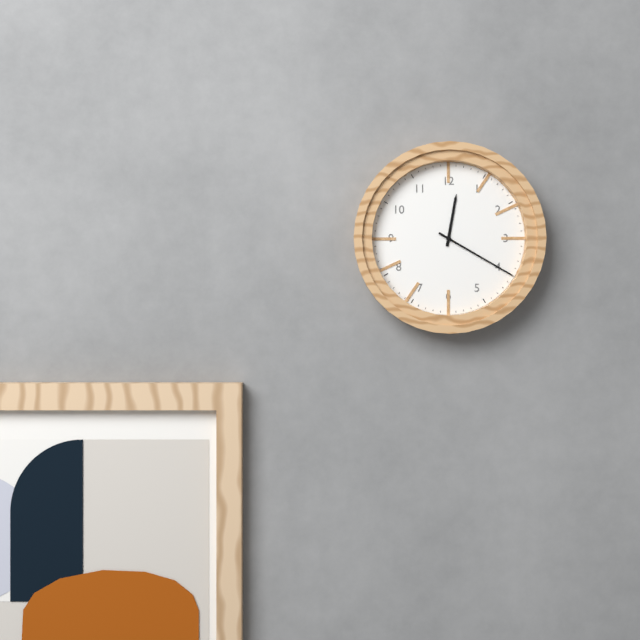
12:20
